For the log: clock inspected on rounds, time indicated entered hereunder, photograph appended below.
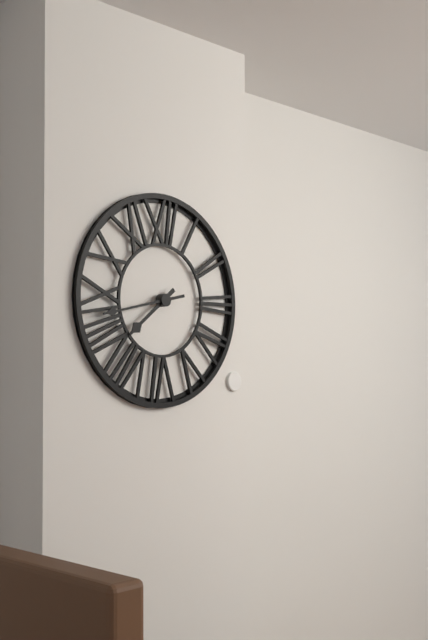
7:43
